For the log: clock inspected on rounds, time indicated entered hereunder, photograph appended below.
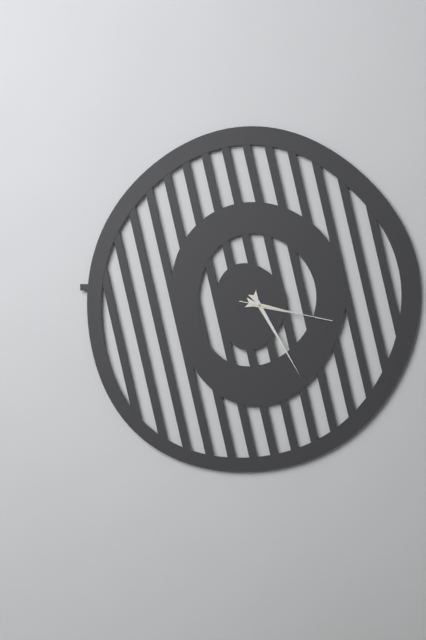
3:25:17
